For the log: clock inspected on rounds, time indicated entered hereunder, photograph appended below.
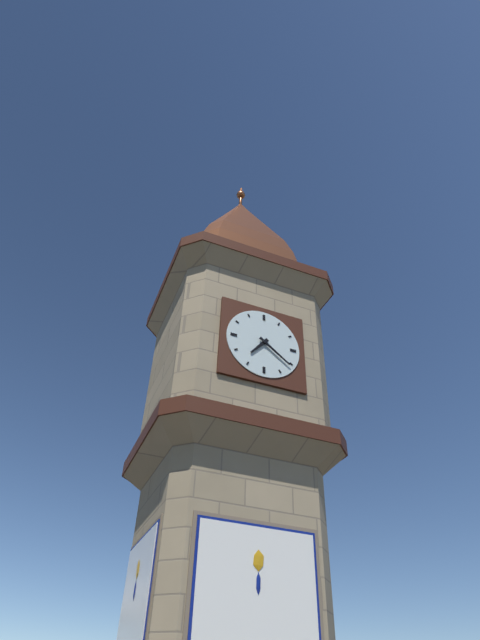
7:21
